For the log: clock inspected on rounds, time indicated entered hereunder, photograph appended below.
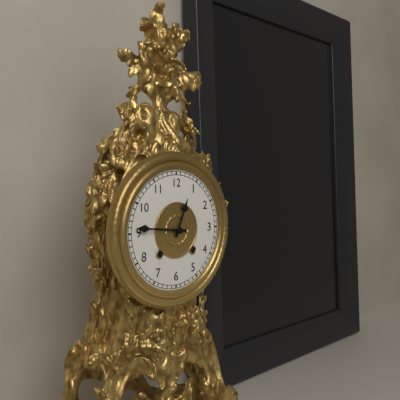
12:46
